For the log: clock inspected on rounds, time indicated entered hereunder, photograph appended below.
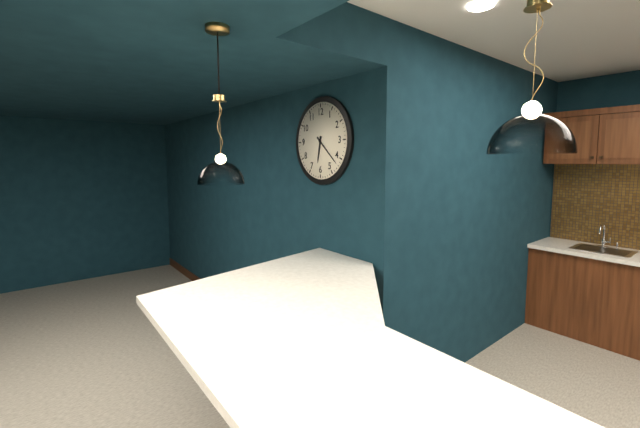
6:22
